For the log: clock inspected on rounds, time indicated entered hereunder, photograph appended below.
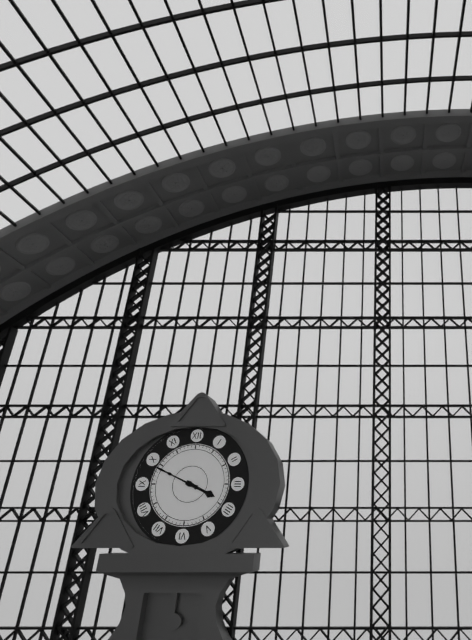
3:49
